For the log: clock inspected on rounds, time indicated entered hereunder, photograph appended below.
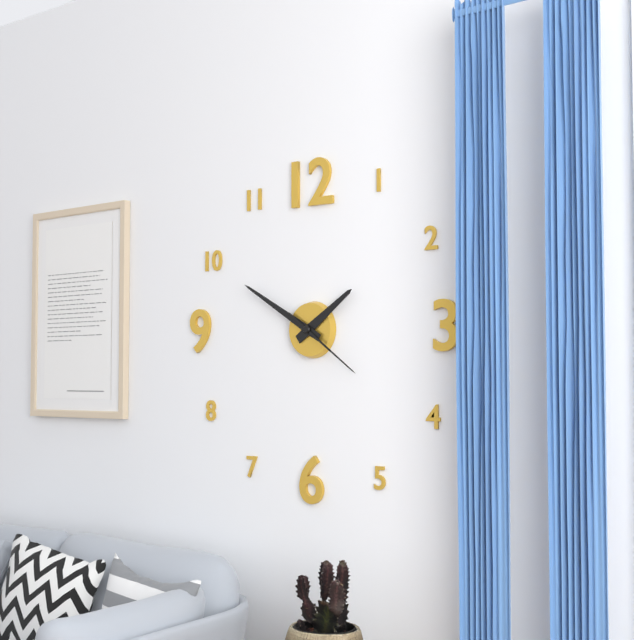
1:50:21
